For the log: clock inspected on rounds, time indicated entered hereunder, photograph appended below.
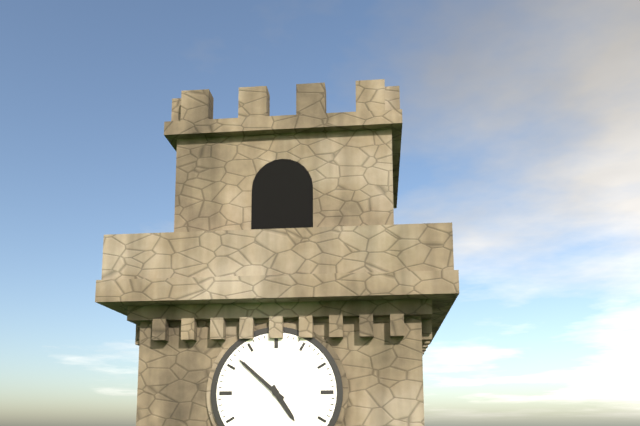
4:52
